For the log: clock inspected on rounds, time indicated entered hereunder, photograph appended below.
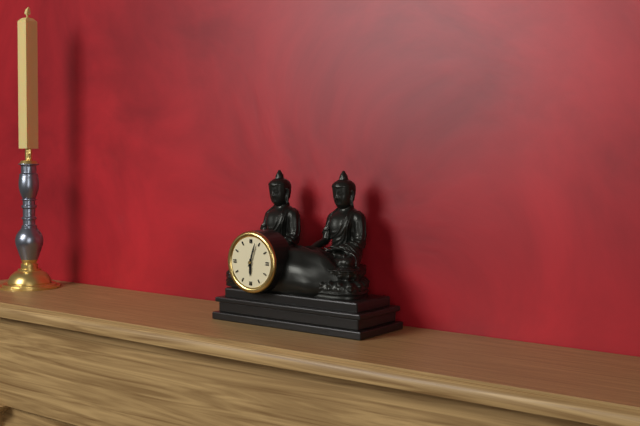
6:03
